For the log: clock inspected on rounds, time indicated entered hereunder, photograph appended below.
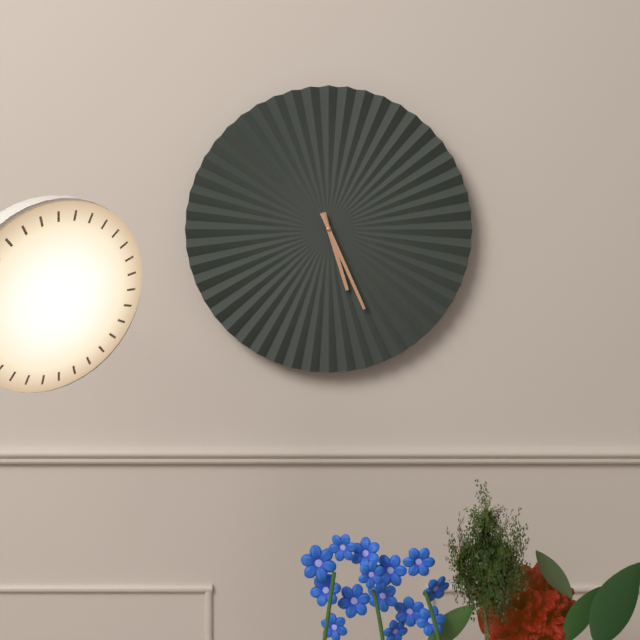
5:26
